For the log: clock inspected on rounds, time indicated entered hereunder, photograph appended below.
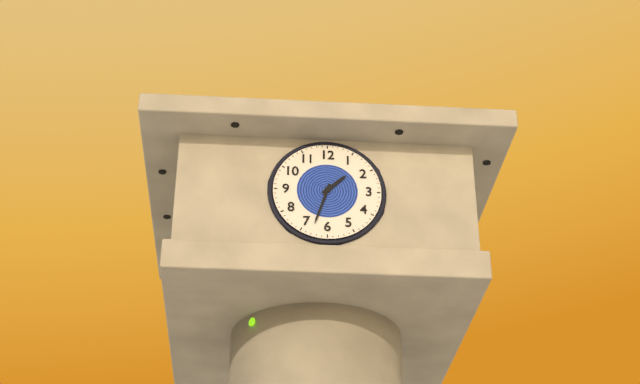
1:33
